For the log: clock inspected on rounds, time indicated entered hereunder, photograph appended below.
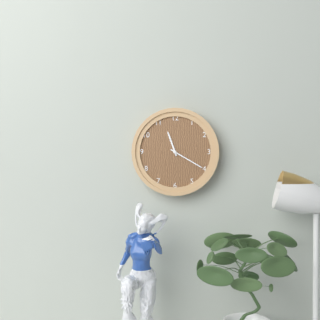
11:20
